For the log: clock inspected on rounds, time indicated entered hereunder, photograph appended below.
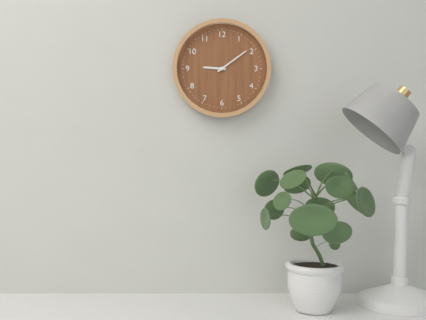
9:09
